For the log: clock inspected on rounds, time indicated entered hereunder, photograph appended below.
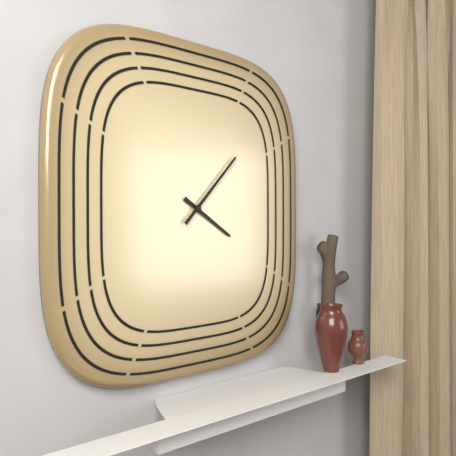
4:07
